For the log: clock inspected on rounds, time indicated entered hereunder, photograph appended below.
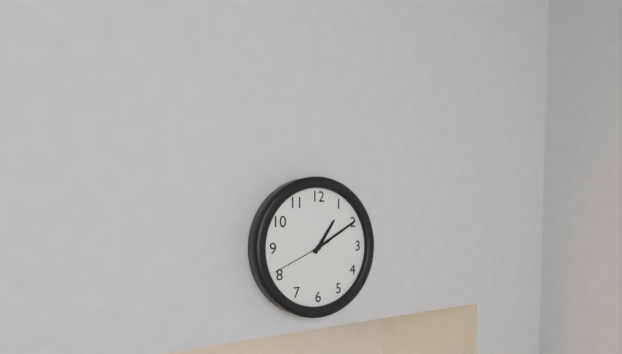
1:10:41
